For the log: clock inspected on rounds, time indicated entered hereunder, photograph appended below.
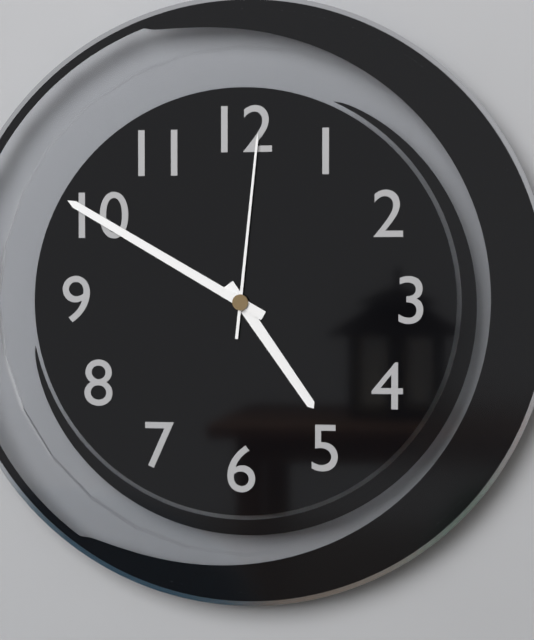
4:50:01
